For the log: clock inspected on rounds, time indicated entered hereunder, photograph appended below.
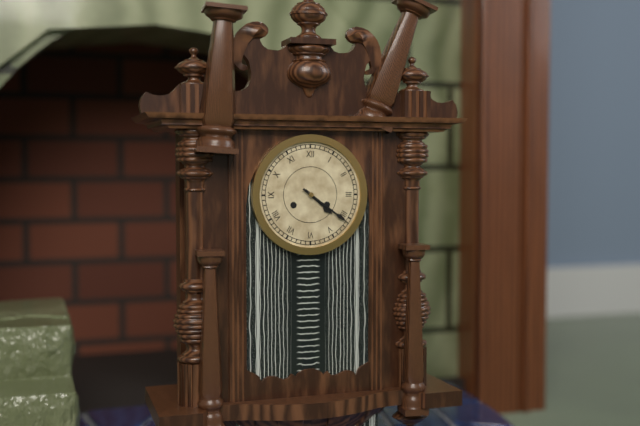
4:21
